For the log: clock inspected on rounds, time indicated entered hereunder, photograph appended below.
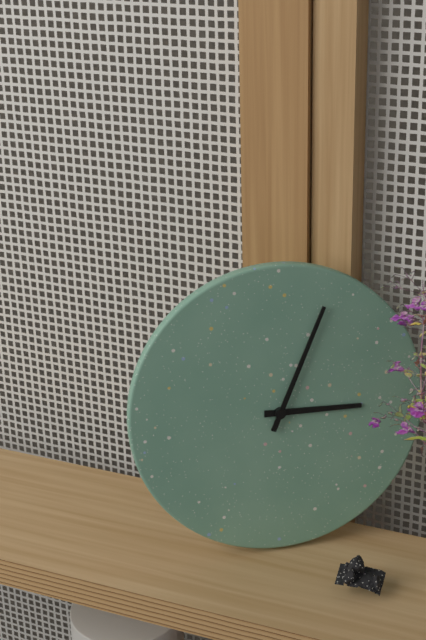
3:04
